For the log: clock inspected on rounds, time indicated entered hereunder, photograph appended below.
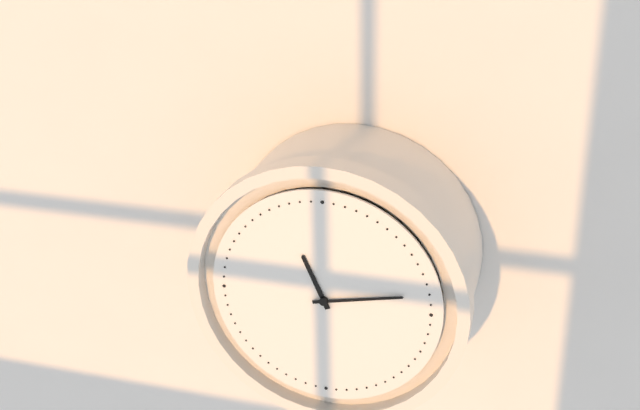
11:13
